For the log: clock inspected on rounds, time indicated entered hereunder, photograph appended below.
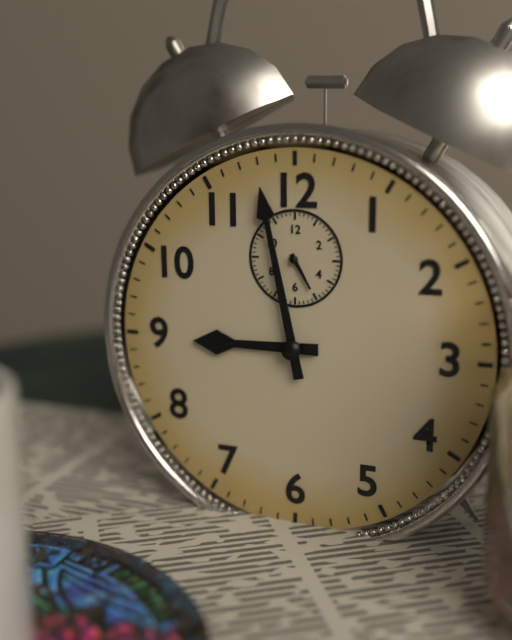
8:58
